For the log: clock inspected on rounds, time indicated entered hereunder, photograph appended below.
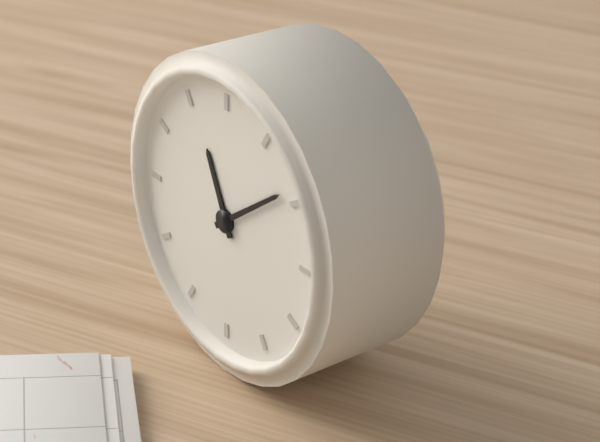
11:09
